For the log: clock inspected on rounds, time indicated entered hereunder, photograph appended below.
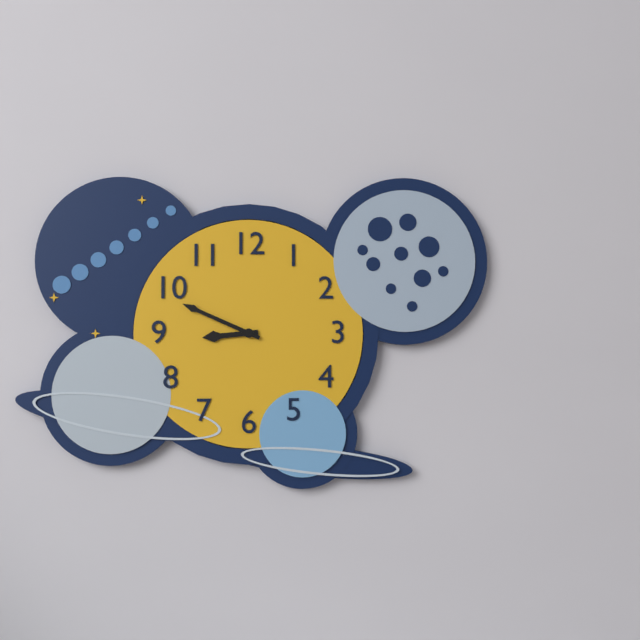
8:49
